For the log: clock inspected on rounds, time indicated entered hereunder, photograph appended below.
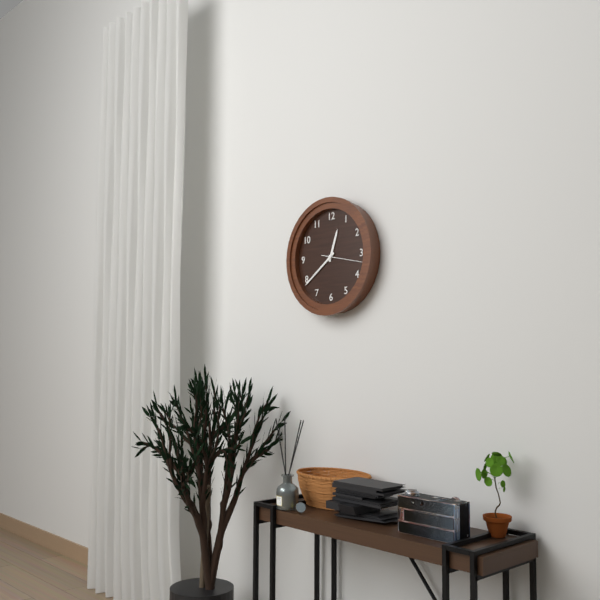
12:39
